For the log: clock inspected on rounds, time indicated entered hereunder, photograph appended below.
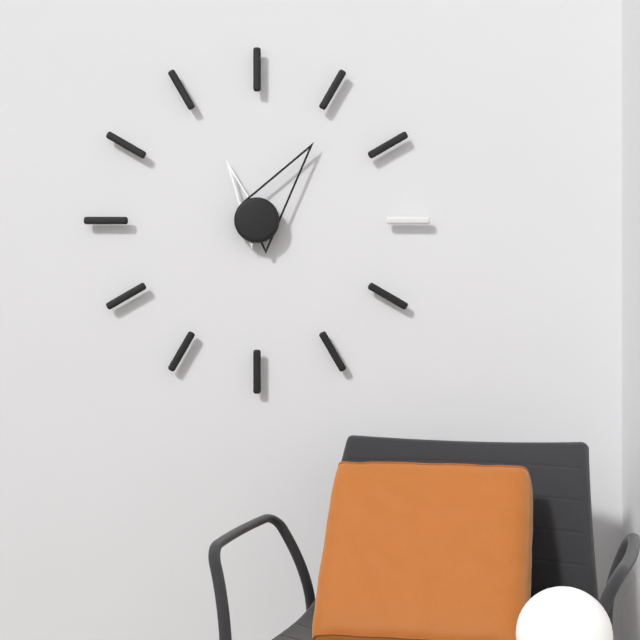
11:06
